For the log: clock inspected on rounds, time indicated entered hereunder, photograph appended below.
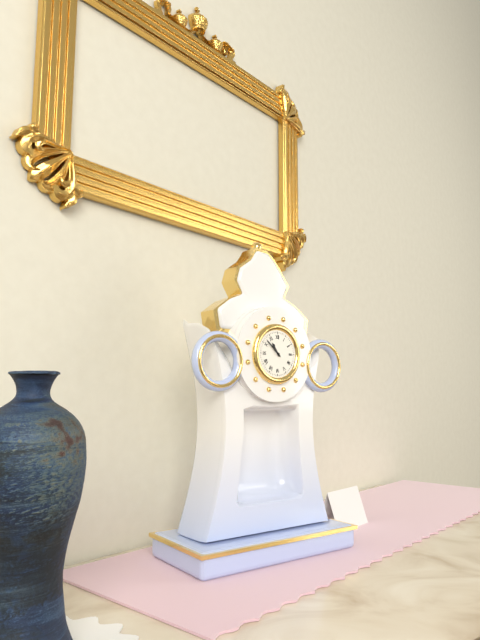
10:52
